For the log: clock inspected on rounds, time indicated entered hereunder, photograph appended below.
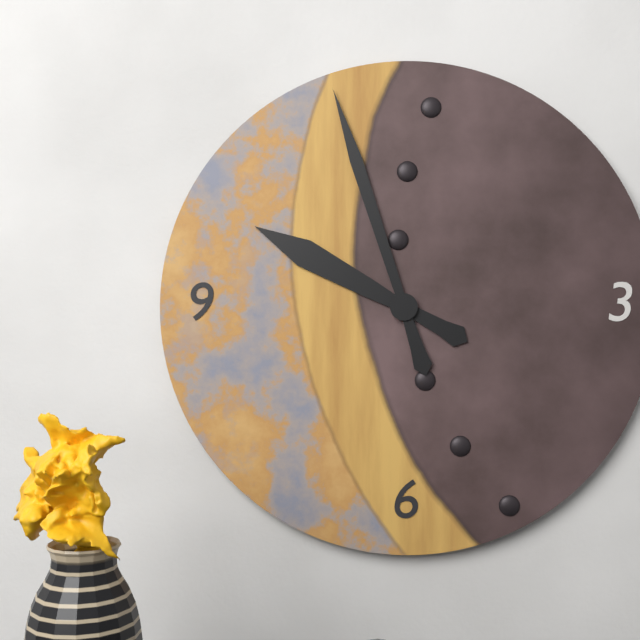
9:57
